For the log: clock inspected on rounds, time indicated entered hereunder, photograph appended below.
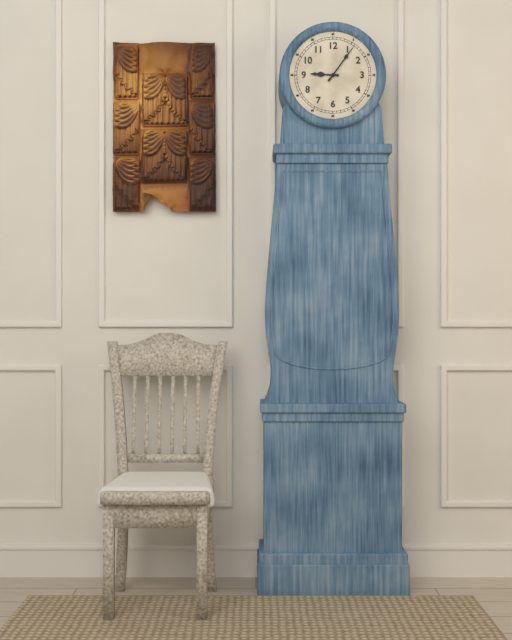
9:06
